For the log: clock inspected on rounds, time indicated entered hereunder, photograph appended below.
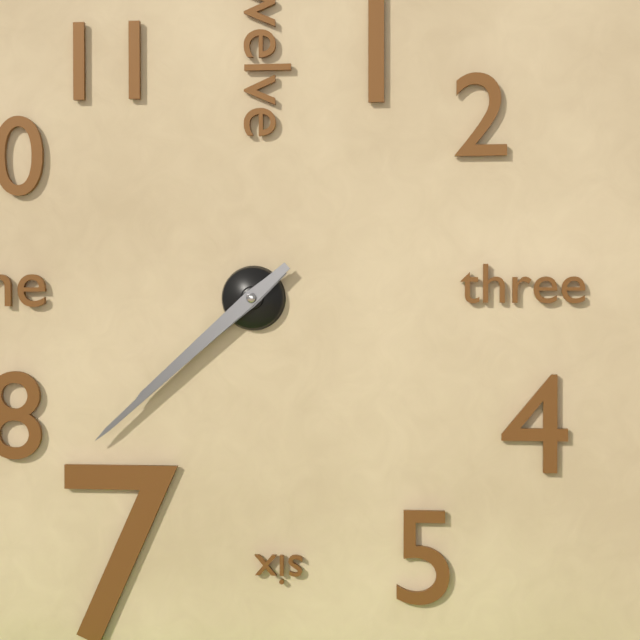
7:38
